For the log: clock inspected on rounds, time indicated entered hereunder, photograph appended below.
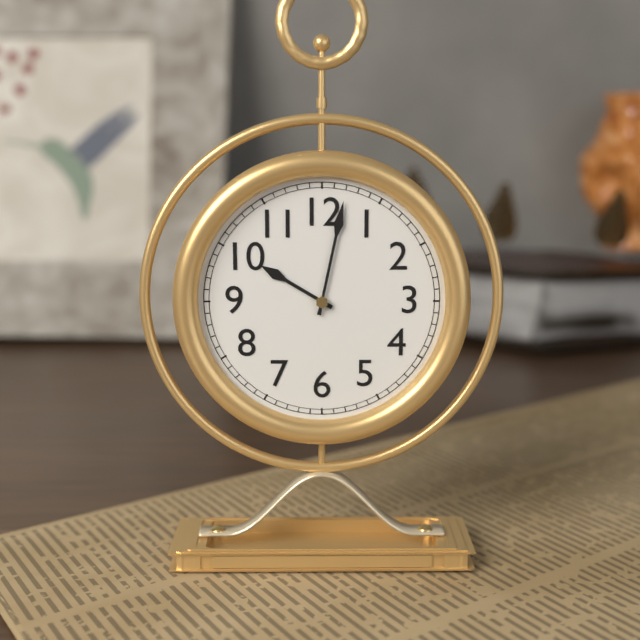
10:02
